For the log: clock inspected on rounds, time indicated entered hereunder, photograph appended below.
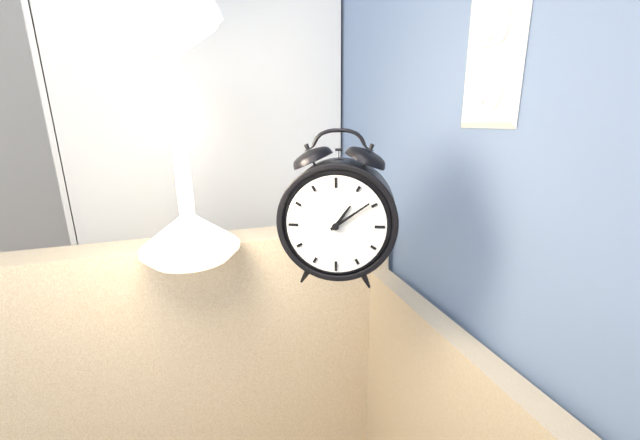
1:09
